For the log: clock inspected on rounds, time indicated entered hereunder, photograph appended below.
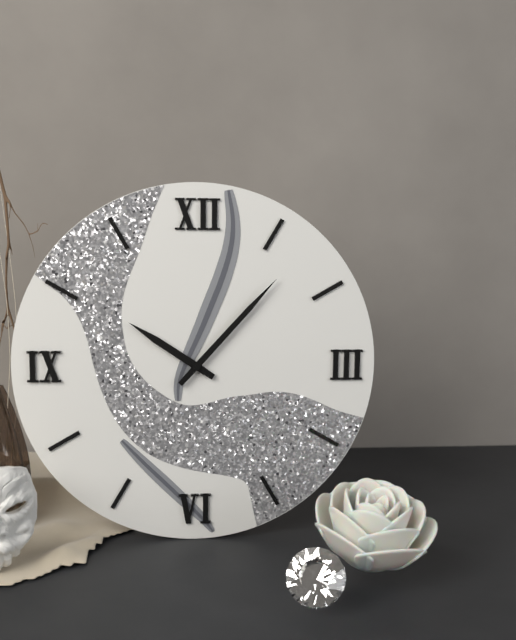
10:07
